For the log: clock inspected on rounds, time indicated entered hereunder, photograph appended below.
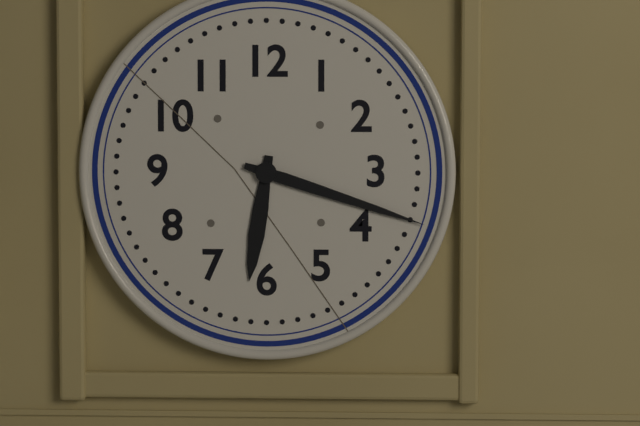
6:18
